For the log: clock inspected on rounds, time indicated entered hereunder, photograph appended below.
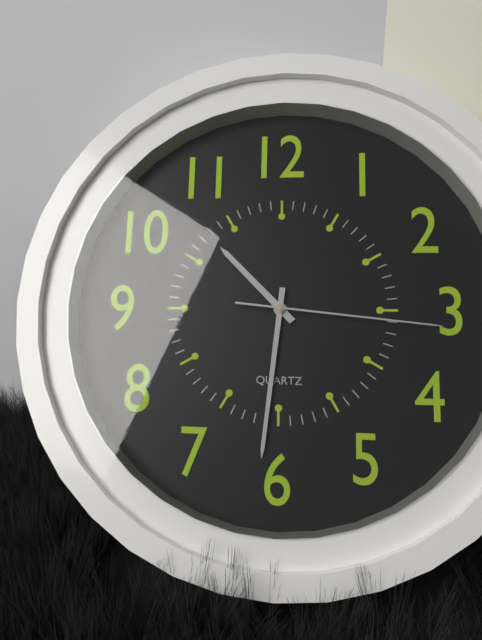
10:31:16
